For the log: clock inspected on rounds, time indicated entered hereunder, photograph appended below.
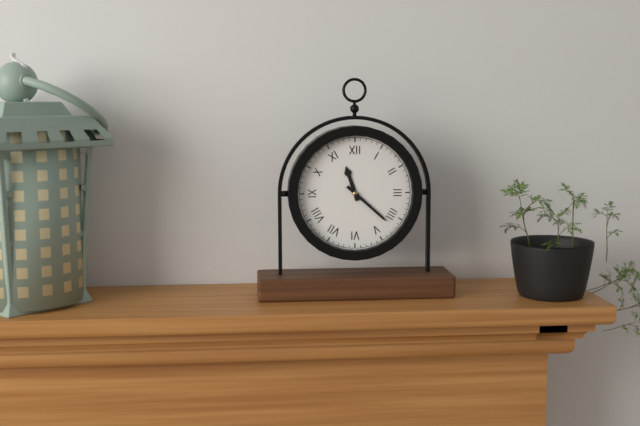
11:22
